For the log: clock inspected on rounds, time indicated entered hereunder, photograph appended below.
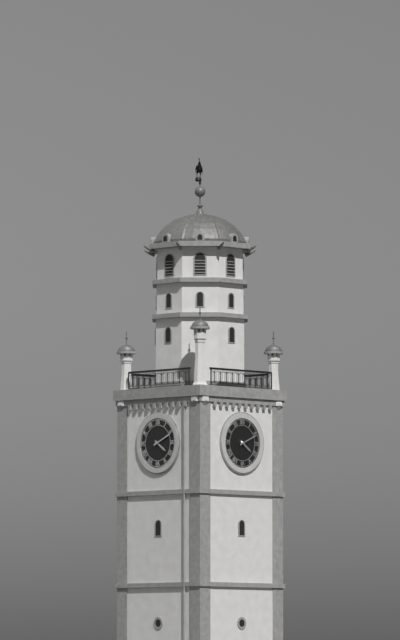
4:11
